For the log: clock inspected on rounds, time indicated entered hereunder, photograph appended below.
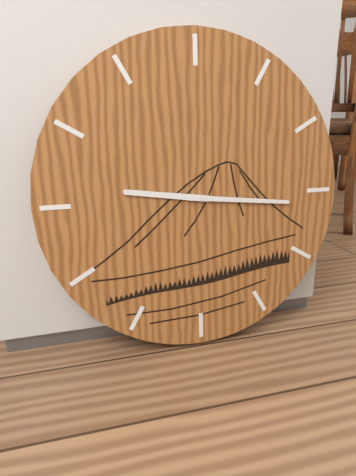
9:16
